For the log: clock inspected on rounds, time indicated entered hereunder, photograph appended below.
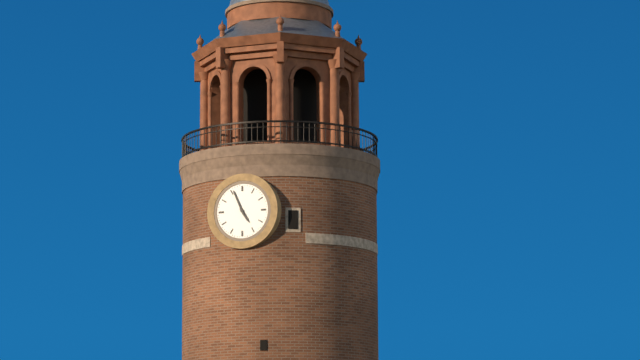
4:56
